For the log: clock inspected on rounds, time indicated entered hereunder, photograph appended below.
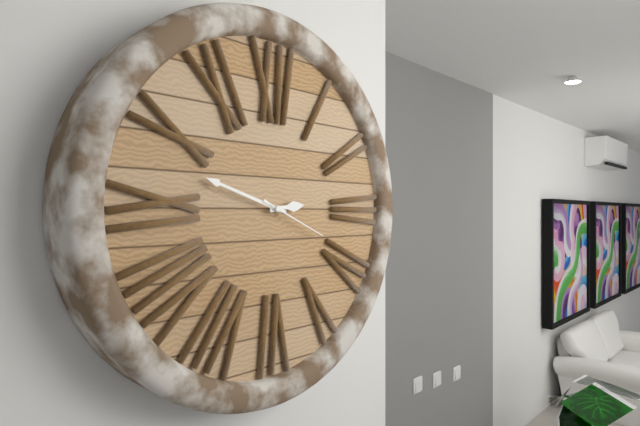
2:48:19
